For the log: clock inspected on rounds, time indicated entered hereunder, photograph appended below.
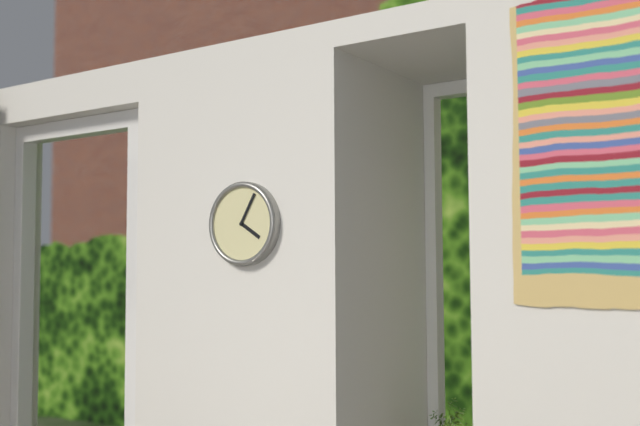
4:05
